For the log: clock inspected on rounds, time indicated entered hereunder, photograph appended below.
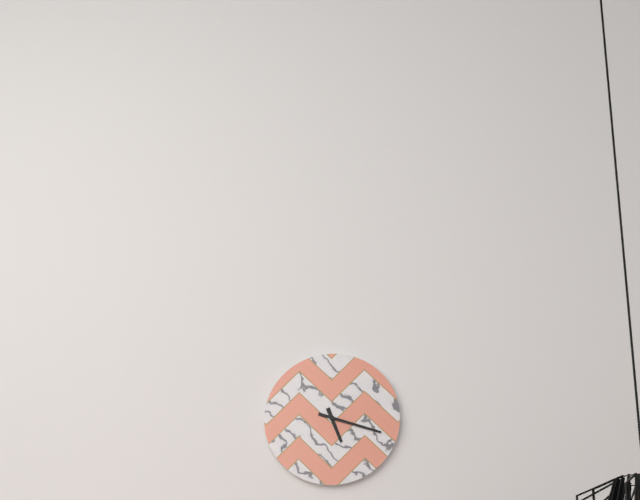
5:18
